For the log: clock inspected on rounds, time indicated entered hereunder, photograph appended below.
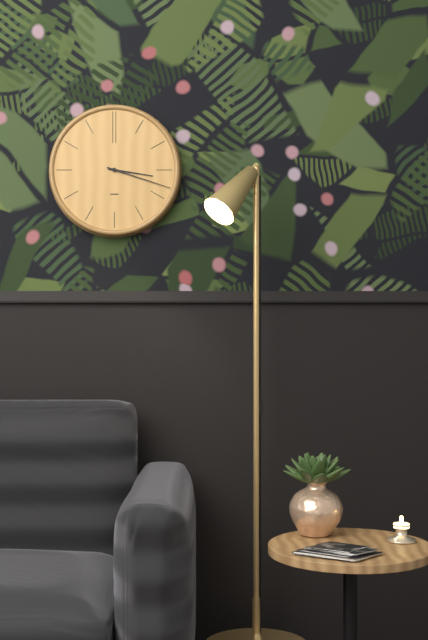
3:18
